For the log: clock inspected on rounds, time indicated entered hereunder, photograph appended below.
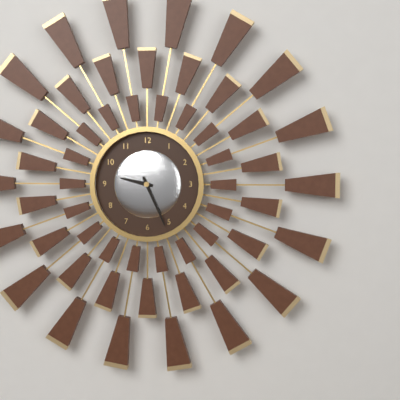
9:26
